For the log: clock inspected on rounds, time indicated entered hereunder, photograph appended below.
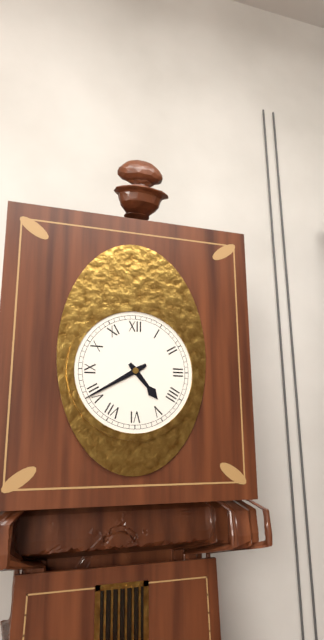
4:40
